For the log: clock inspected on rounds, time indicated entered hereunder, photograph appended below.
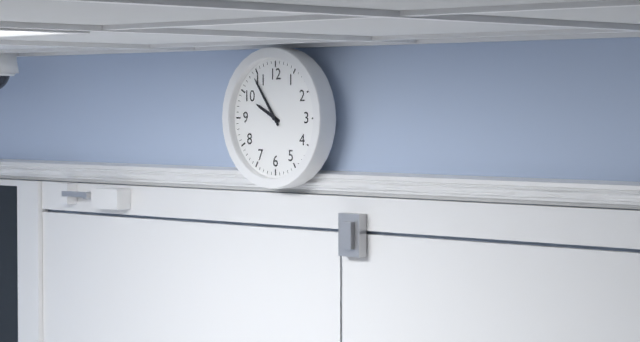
9:54
